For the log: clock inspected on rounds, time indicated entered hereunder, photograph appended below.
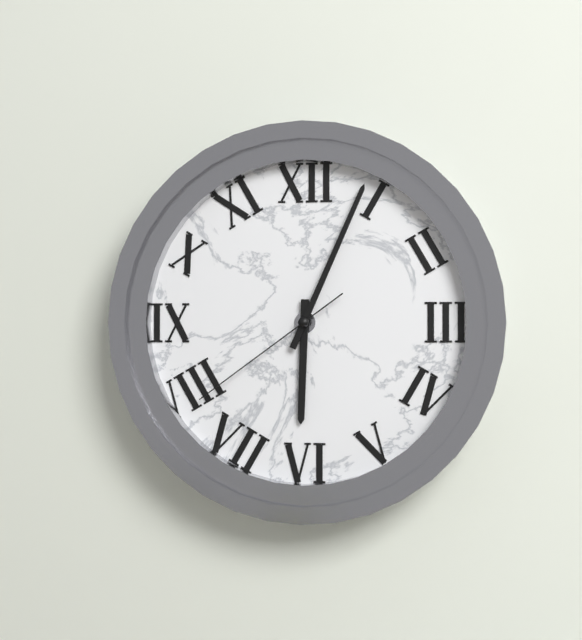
6:04:39
